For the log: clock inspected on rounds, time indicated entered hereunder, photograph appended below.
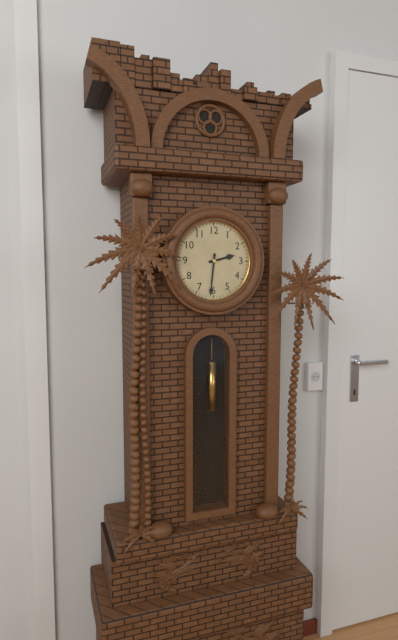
2:31
